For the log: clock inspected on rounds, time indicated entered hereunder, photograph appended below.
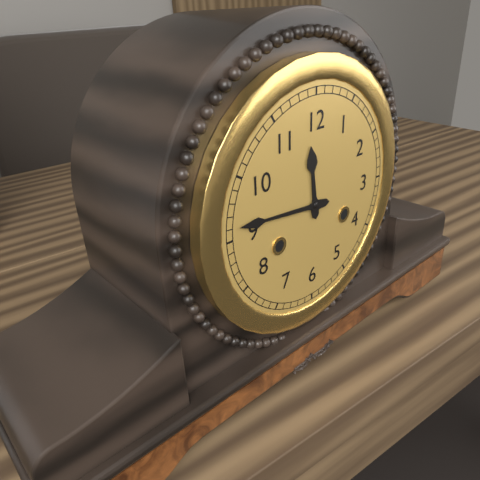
11:46
